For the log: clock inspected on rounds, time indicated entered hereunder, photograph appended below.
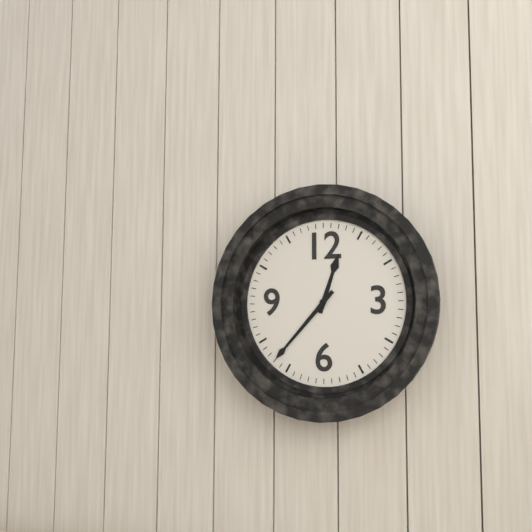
12:37
